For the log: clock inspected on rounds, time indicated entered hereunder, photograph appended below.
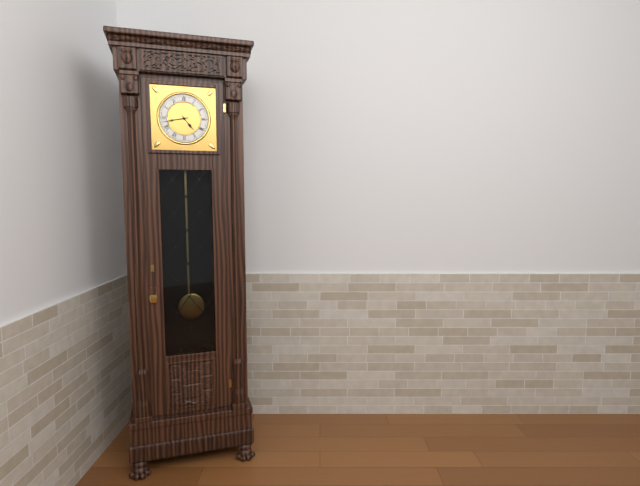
4:43
